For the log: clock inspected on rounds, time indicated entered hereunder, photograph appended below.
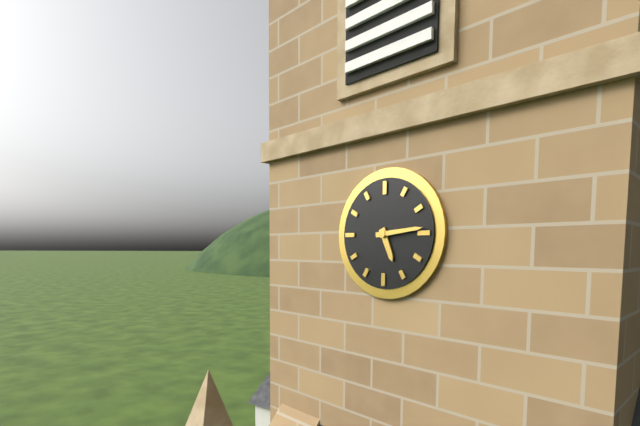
5:14
